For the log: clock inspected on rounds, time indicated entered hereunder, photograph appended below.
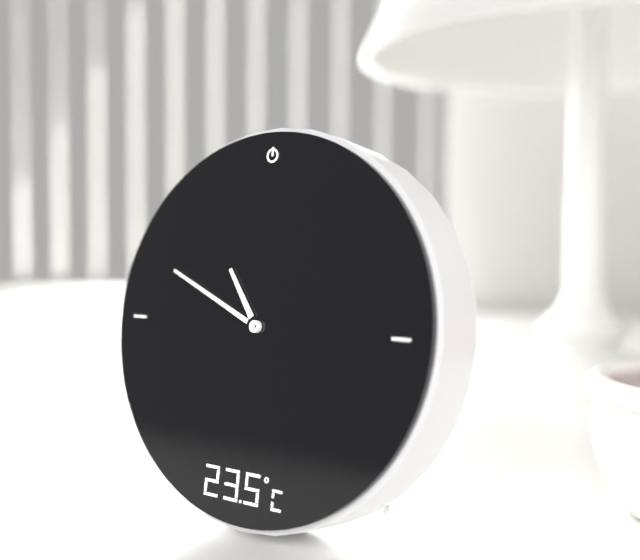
10:49
